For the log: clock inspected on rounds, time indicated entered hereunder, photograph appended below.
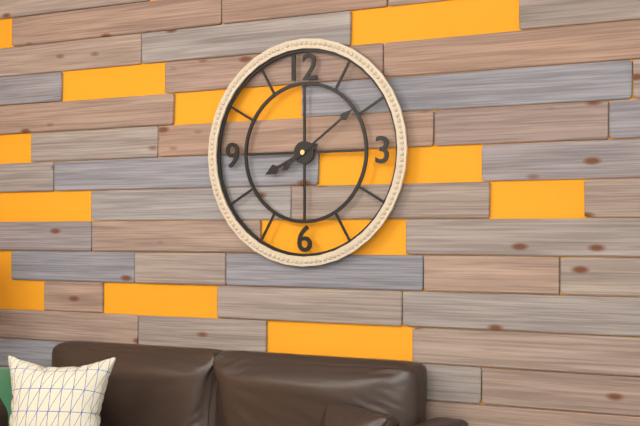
8:09
